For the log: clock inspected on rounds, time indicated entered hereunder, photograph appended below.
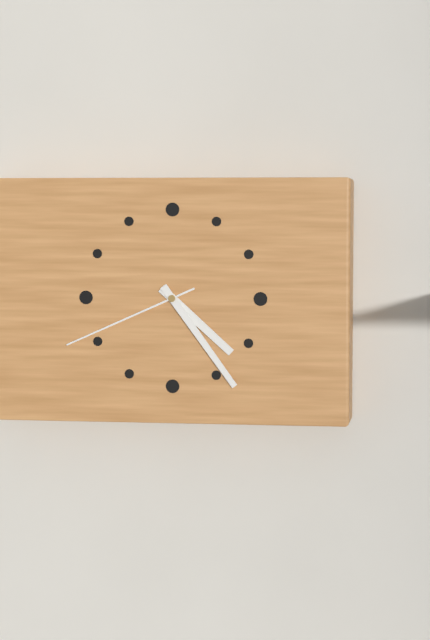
4:24:41
